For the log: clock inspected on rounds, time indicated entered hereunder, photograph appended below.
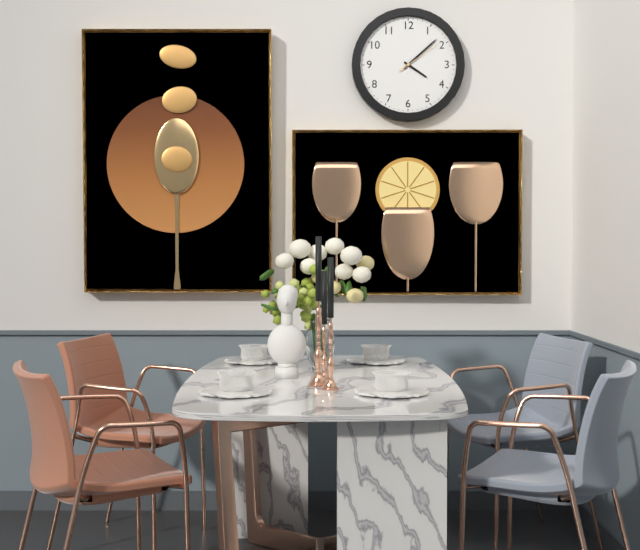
4:08:09
